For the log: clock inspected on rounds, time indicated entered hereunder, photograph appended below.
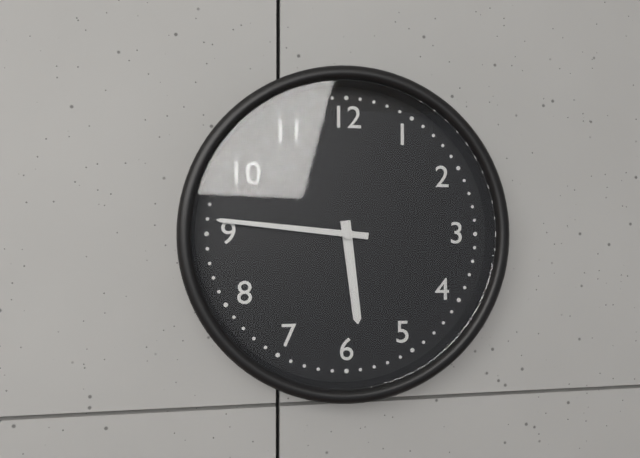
5:46
